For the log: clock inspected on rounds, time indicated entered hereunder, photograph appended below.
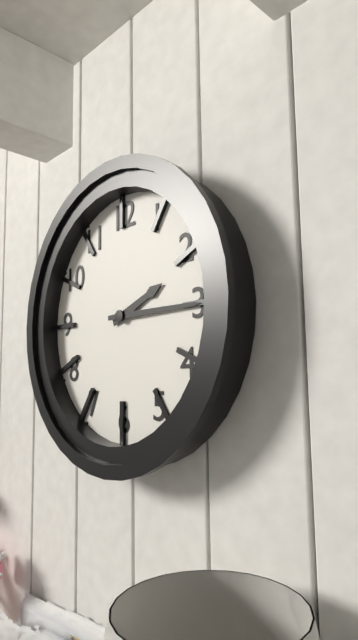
2:15
